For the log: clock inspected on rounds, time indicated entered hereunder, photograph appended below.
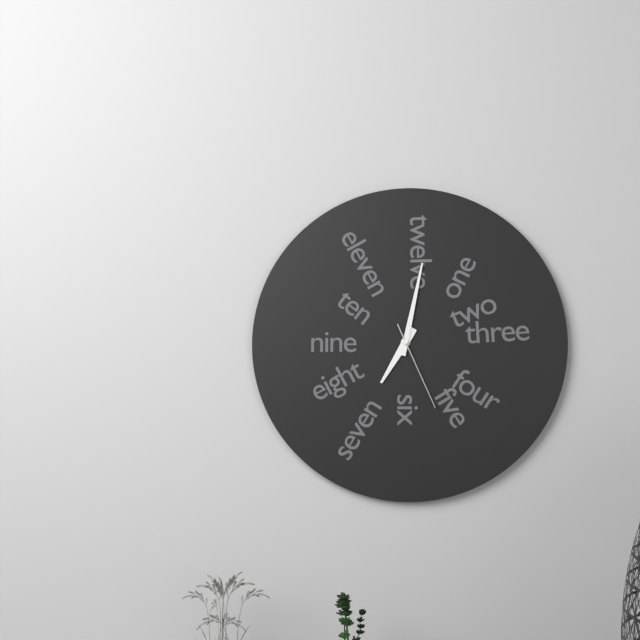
7:02:26
